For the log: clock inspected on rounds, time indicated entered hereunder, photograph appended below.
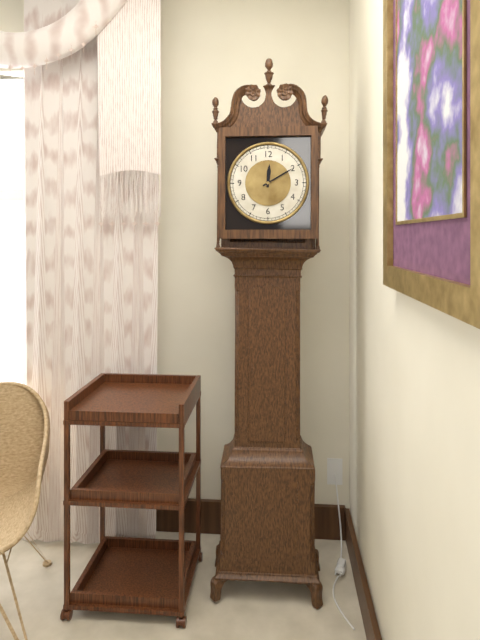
12:10
